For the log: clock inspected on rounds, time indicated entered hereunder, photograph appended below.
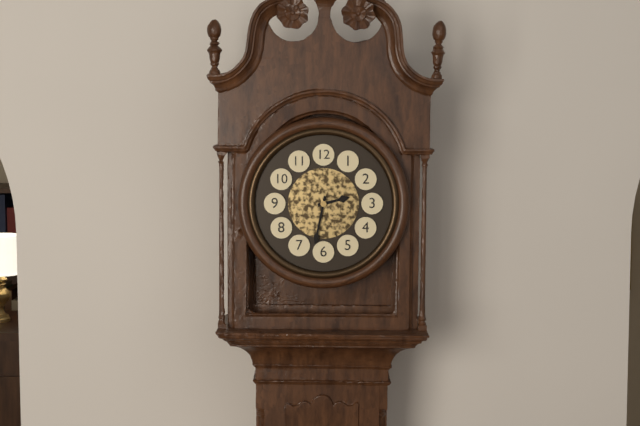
2:32
